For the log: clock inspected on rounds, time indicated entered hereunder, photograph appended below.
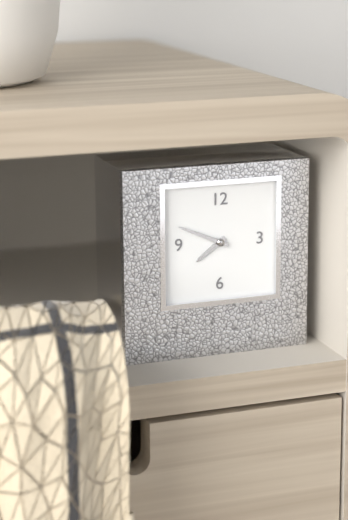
7:49
